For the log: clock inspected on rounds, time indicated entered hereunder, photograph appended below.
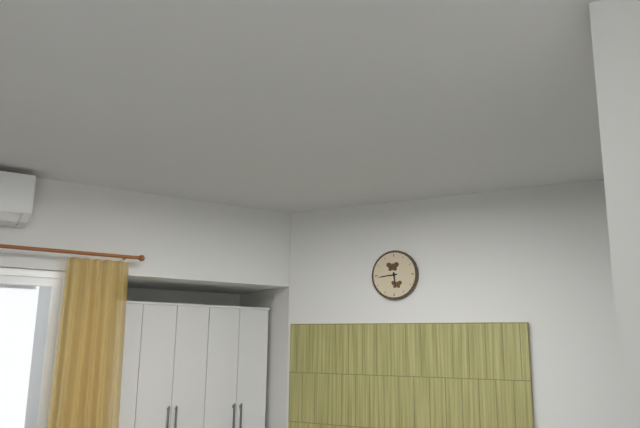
5:44
